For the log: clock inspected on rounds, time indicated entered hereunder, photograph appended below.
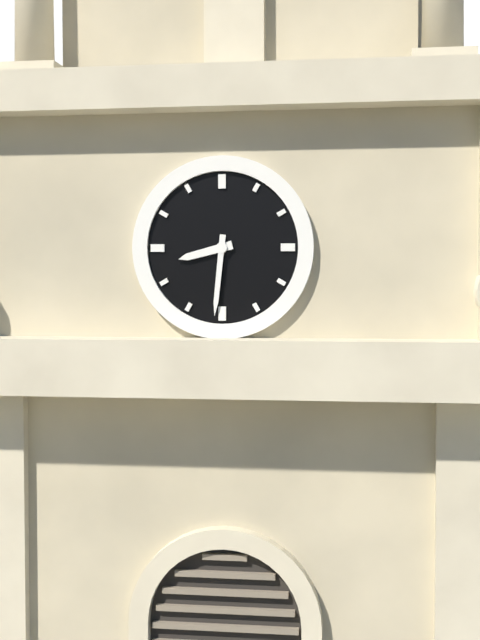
8:31
